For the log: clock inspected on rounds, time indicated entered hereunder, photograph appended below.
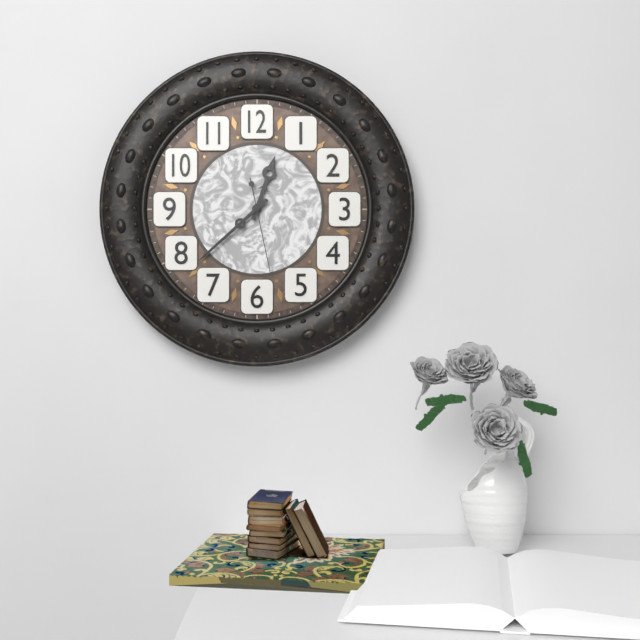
12:38:28
